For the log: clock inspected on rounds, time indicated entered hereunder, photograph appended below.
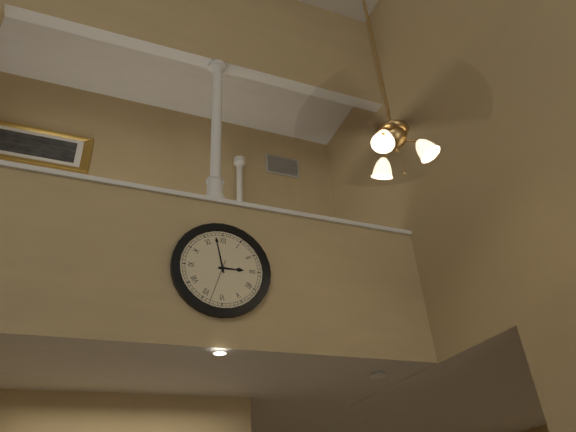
2:58
